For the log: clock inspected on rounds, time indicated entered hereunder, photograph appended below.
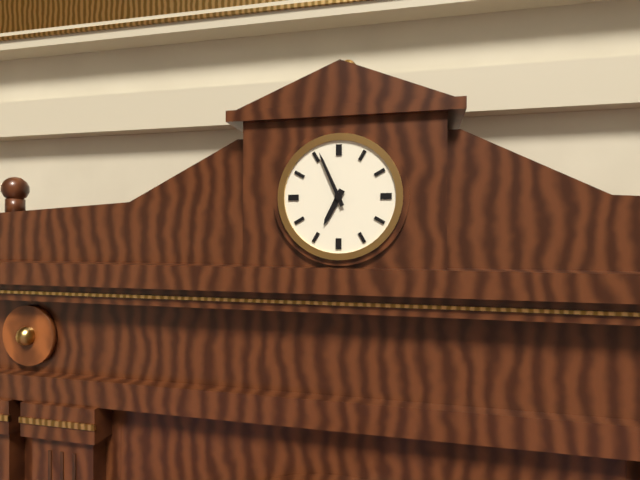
6:56
